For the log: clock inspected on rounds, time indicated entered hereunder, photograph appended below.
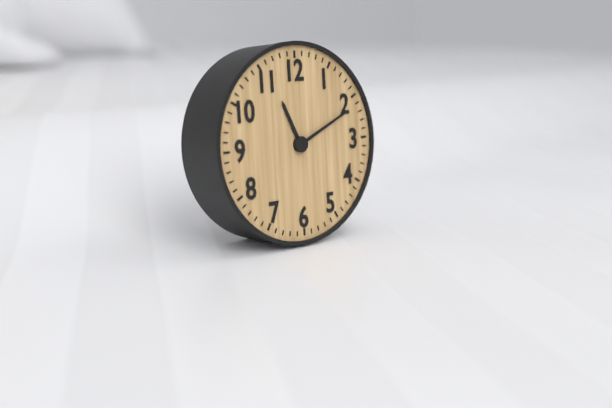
11:11
